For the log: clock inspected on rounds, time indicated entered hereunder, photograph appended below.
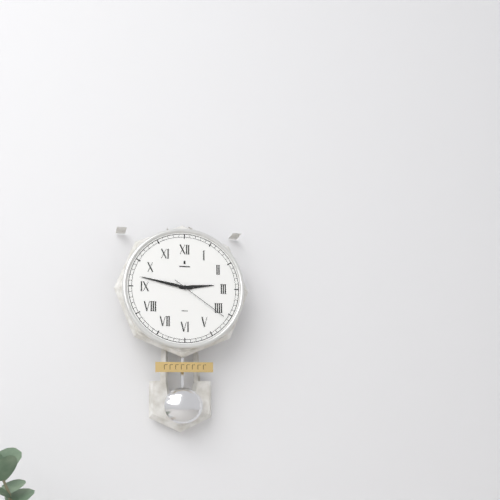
2:47:21
